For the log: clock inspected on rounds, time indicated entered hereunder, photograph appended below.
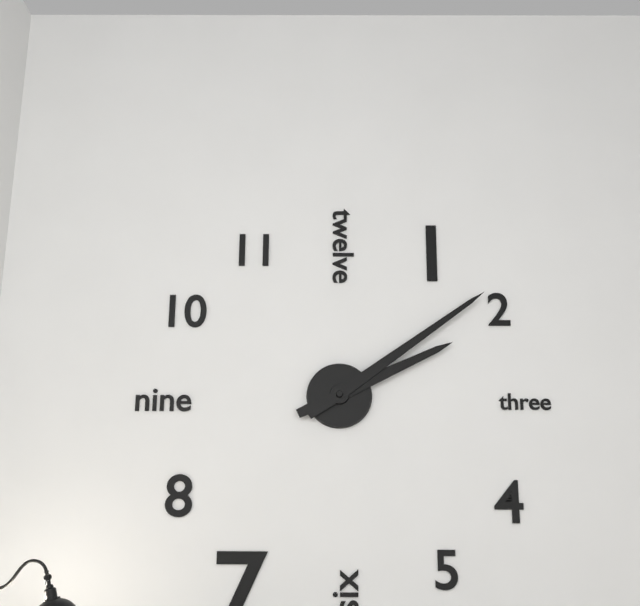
2:09
